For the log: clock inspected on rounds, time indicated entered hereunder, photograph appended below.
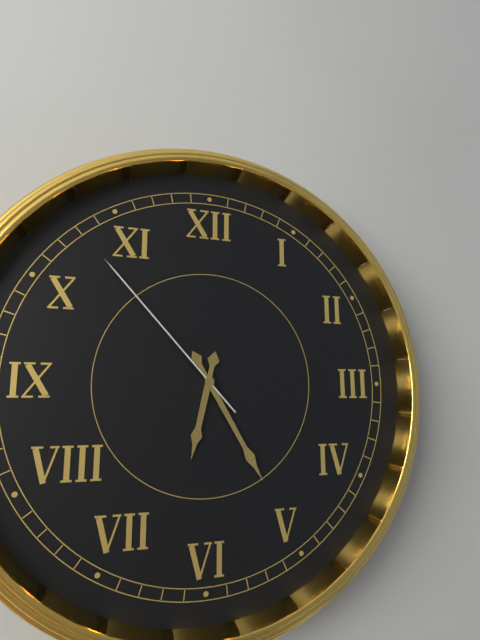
6:25:53
